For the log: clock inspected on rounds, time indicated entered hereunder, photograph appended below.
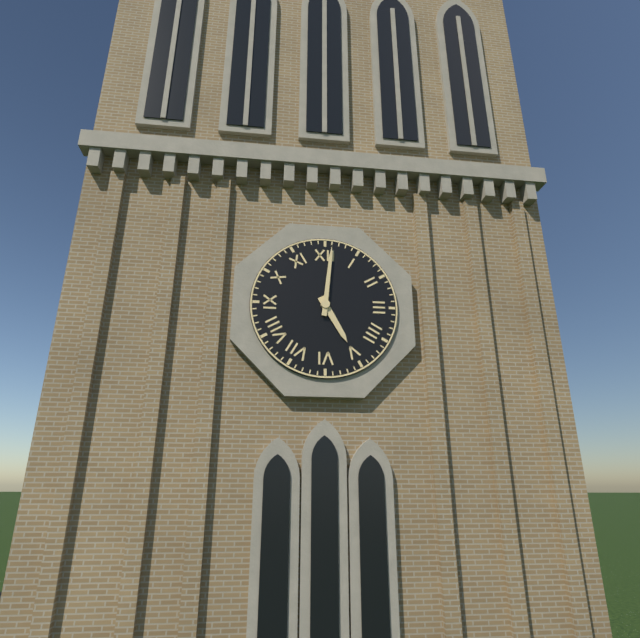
5:01
